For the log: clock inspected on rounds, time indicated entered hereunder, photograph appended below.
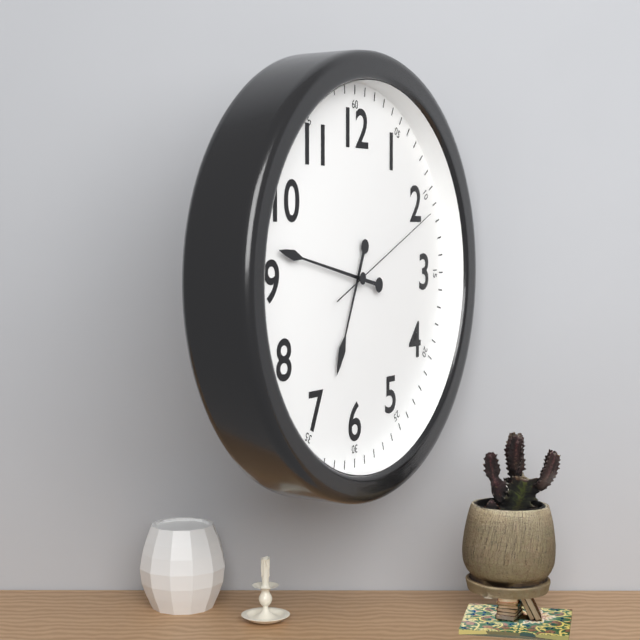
6:47:11
